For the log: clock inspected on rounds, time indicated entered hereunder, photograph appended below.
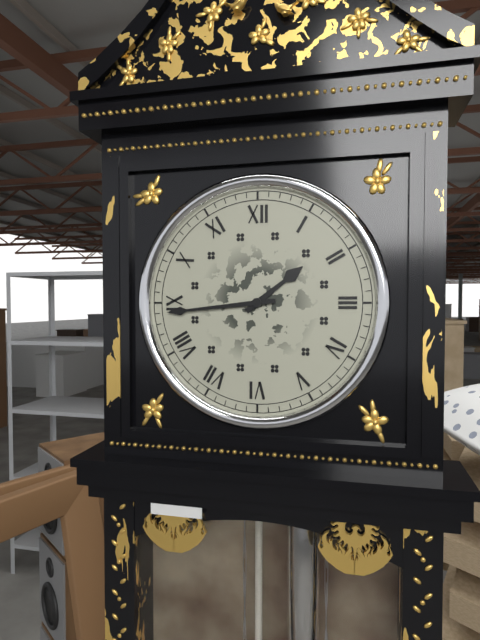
1:44
